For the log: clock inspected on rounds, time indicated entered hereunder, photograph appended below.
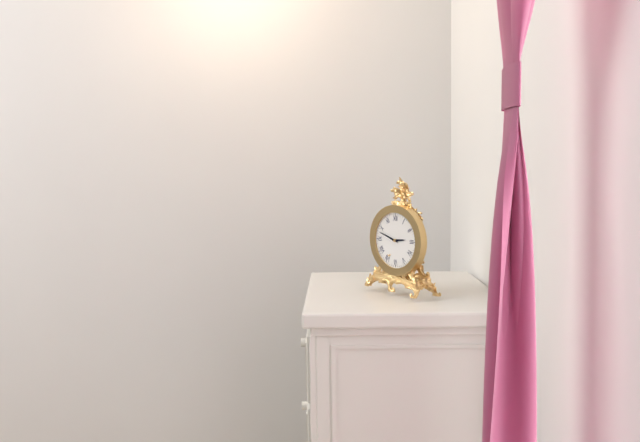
2:48
